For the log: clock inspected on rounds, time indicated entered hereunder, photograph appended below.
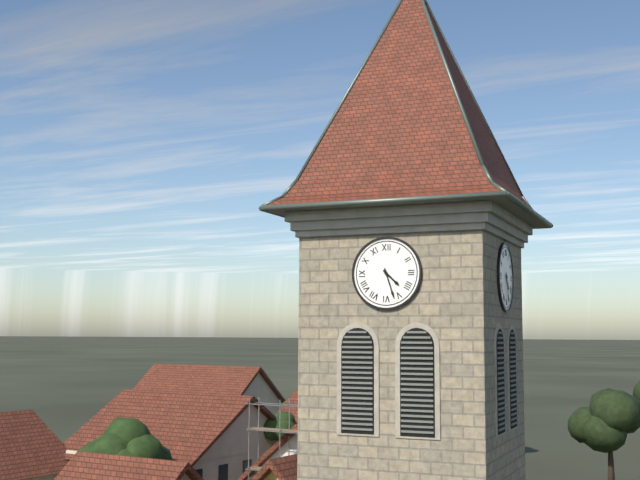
4:27
